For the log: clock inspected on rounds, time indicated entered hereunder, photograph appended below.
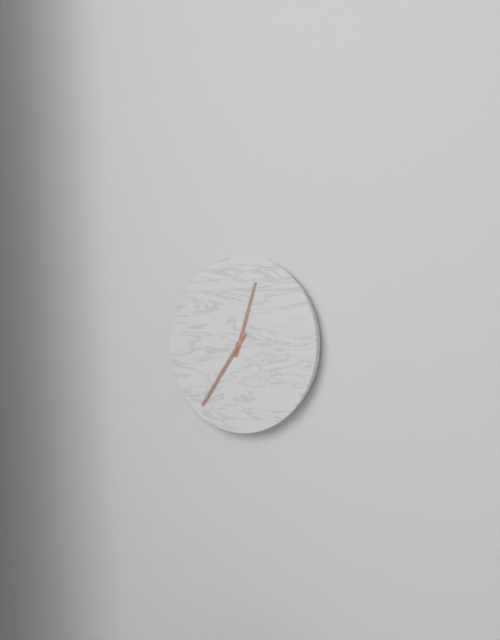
12:36
